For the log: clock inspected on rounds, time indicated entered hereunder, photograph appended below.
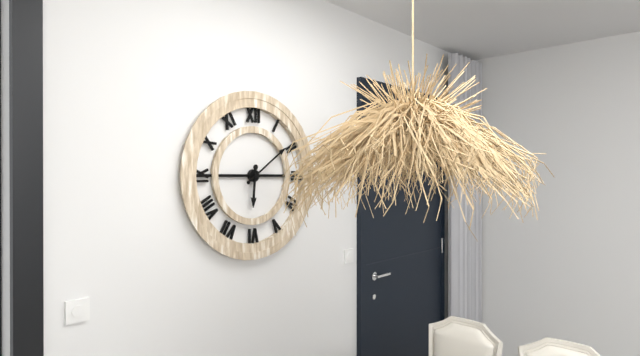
6:09
